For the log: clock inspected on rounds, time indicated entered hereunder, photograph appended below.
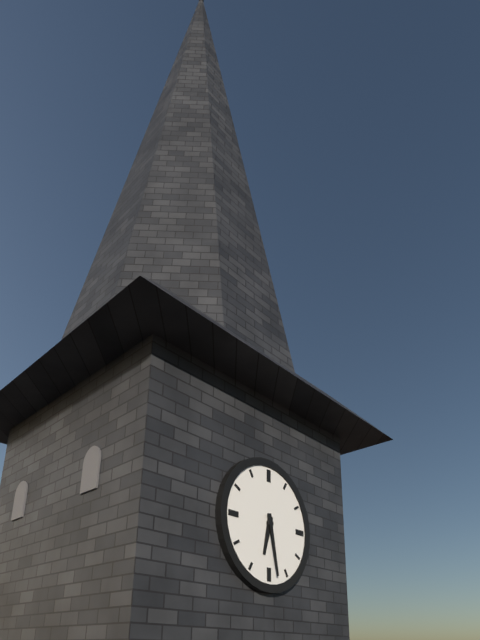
6:28
